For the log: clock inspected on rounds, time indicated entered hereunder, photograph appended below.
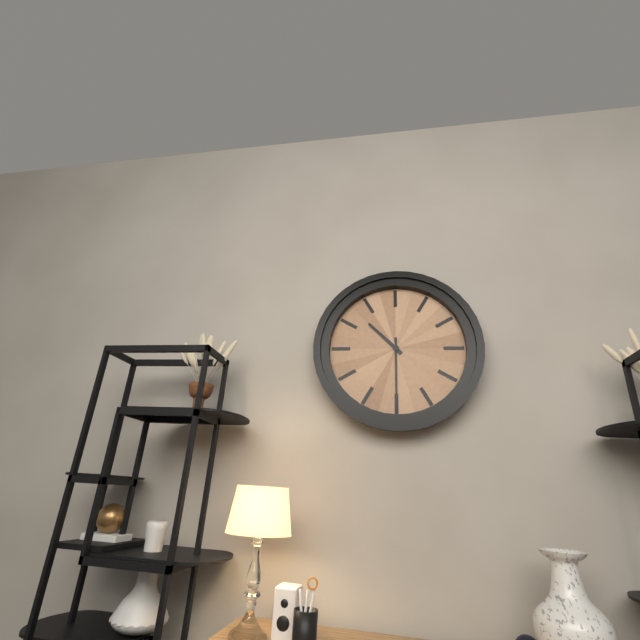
10:30
